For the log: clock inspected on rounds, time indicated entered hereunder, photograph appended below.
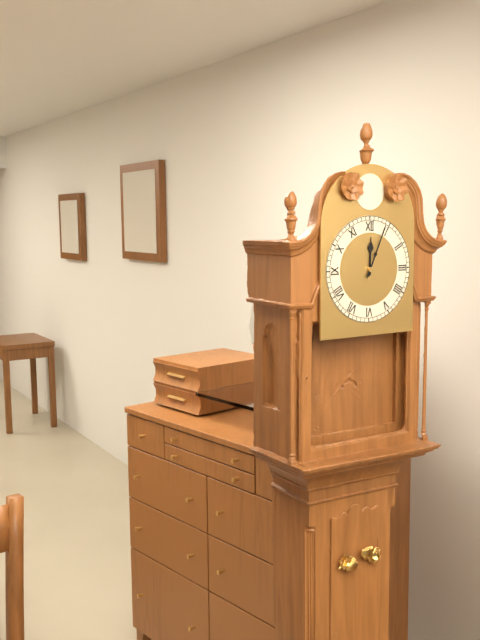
12:04
